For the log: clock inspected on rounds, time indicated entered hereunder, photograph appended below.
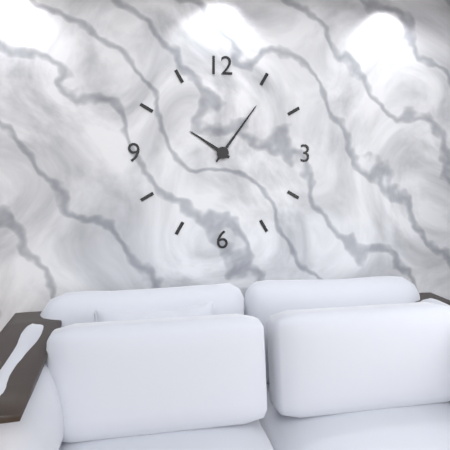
10:06
